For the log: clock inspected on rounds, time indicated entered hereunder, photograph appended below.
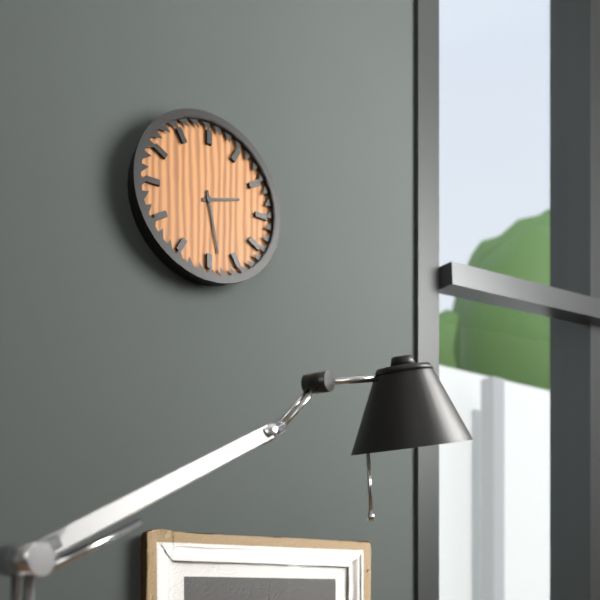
2:28
